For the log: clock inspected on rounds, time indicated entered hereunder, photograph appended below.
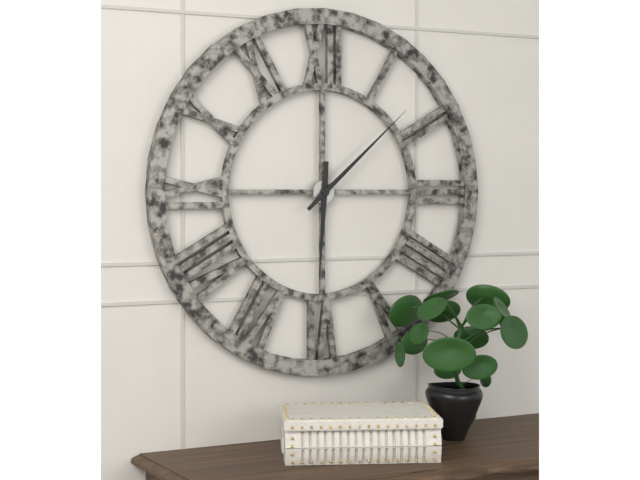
6:08
